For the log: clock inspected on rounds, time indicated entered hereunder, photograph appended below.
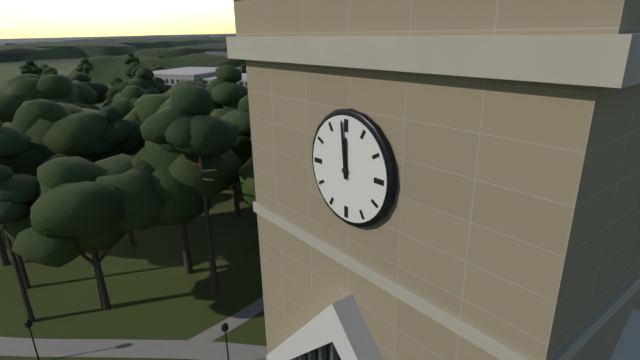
11:59
